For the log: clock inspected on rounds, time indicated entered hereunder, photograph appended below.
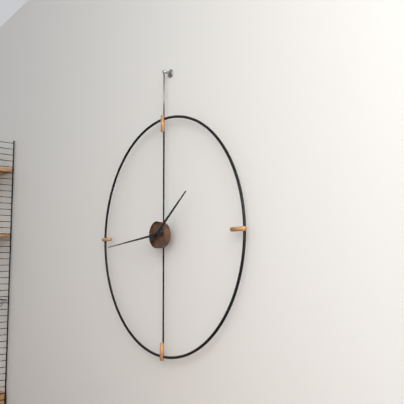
1:44
